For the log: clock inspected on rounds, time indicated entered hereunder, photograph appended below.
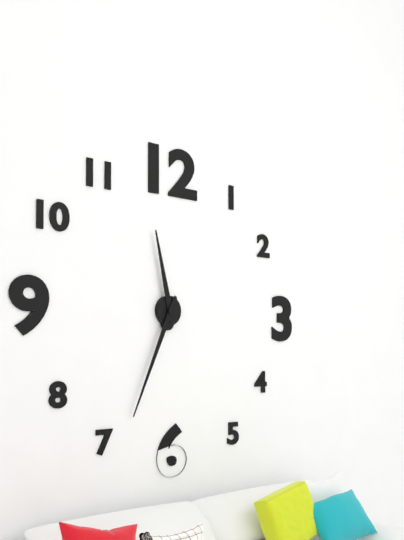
11:34
